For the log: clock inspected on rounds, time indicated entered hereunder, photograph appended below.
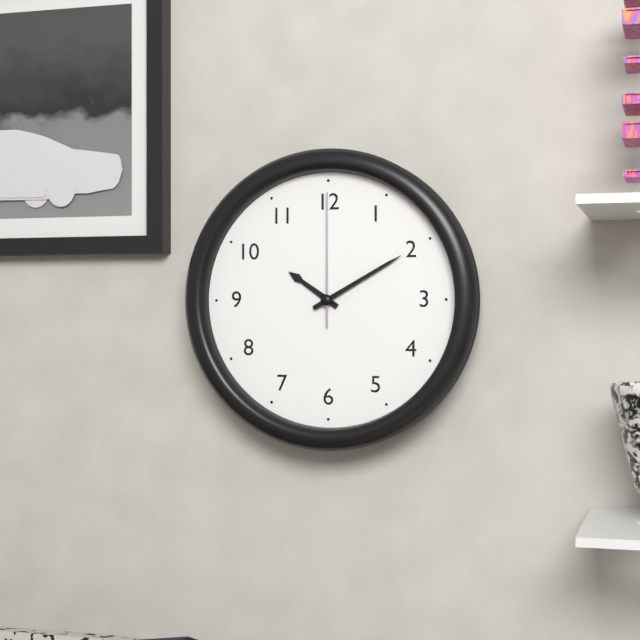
10:10:00
